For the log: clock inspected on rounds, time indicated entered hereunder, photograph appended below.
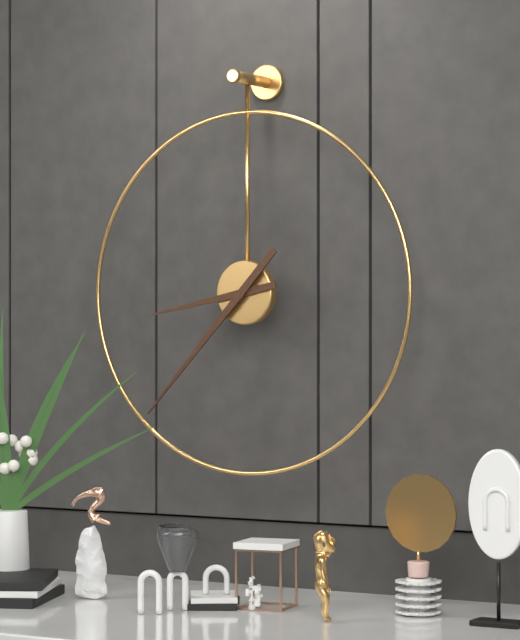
8:37
